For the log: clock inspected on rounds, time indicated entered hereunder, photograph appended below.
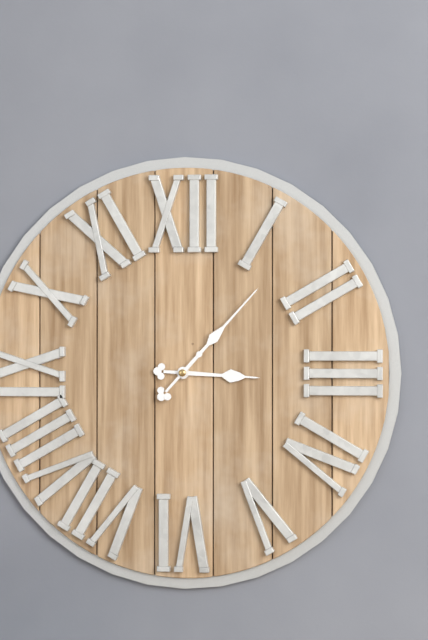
3:07
